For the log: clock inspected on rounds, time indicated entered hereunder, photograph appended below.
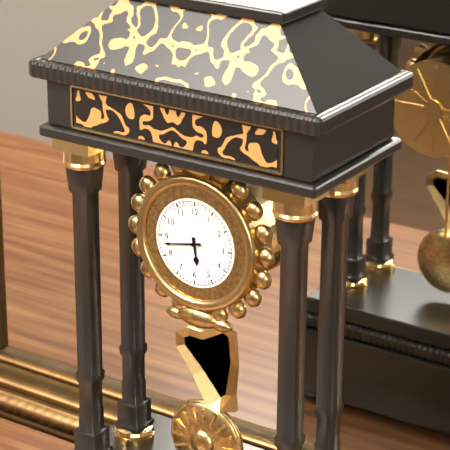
5:43
